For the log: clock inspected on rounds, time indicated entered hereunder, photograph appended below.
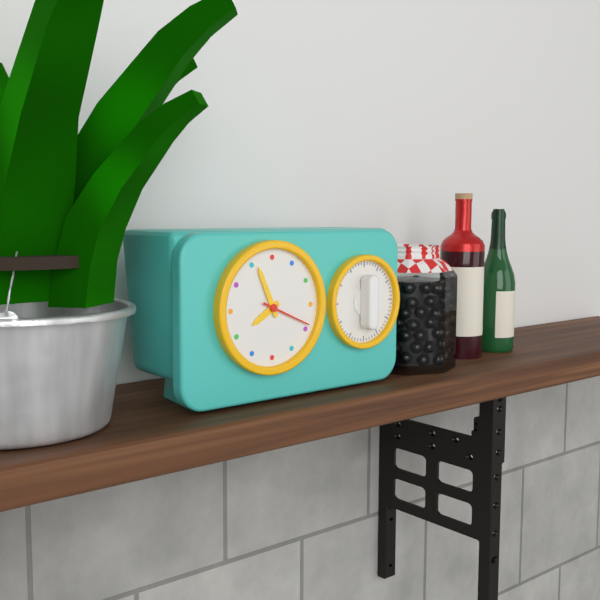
7:56
